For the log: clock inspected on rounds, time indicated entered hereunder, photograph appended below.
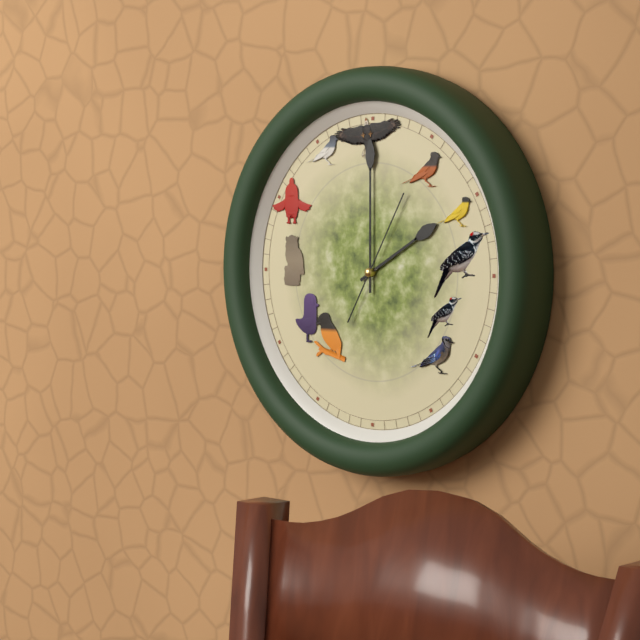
2:00:05
